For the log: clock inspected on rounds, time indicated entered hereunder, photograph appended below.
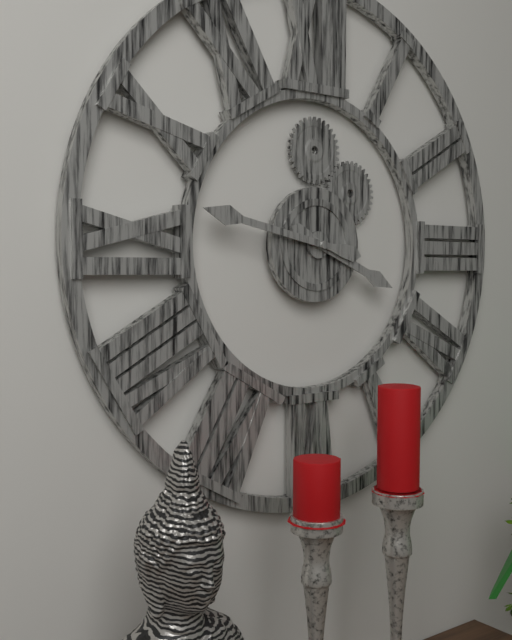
3:47
